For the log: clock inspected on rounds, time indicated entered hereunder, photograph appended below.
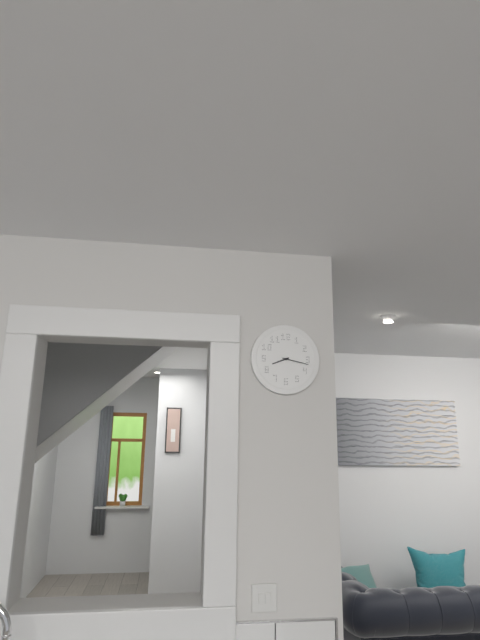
8:17
